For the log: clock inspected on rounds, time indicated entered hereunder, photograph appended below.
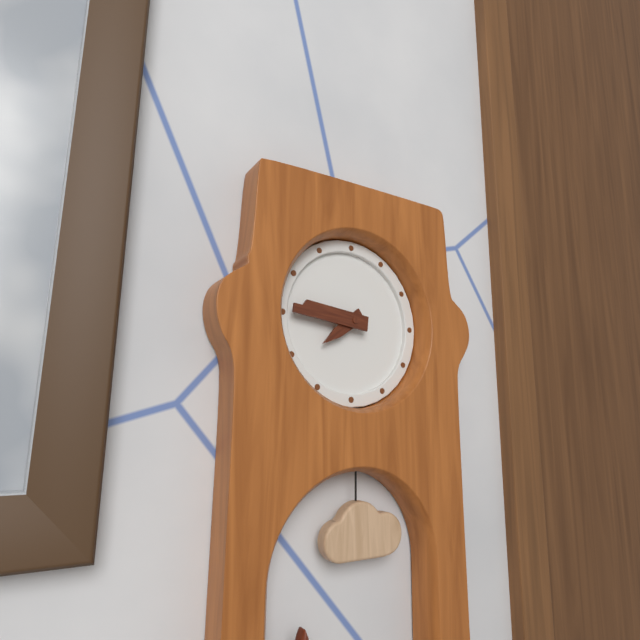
7:46
